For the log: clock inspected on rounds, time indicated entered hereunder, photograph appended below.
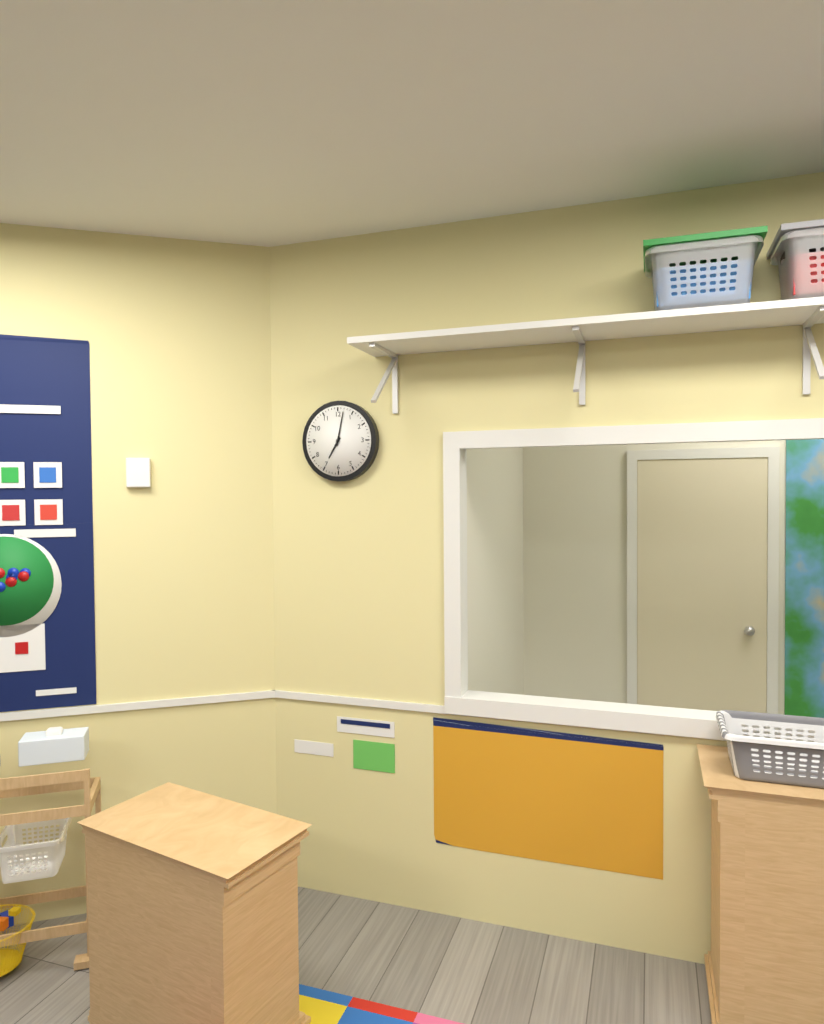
7:02
